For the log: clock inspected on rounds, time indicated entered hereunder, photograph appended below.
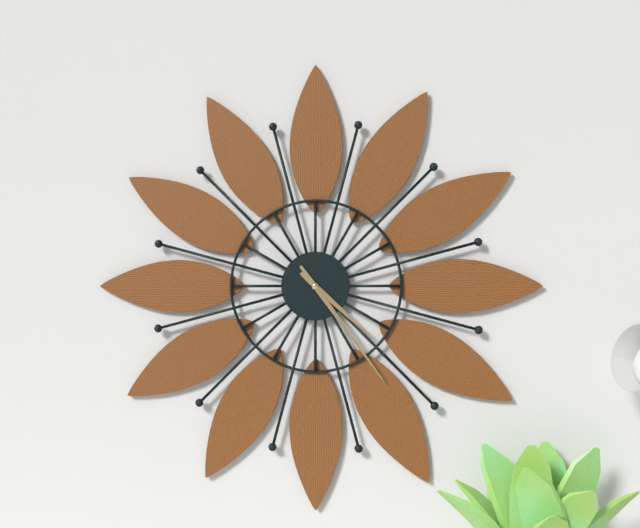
4:24
